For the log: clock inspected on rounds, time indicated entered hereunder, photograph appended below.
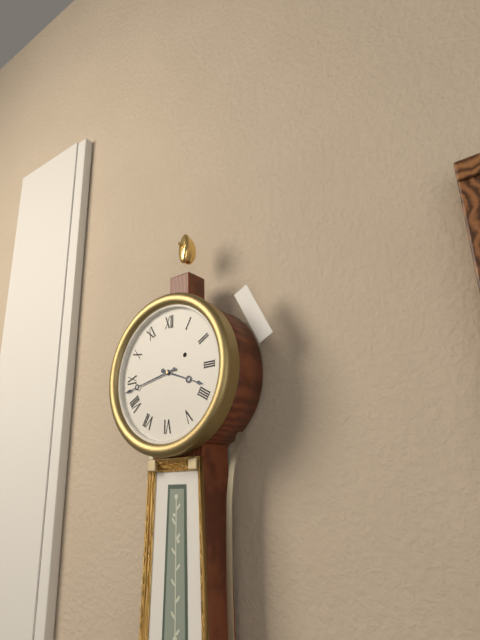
3:43
